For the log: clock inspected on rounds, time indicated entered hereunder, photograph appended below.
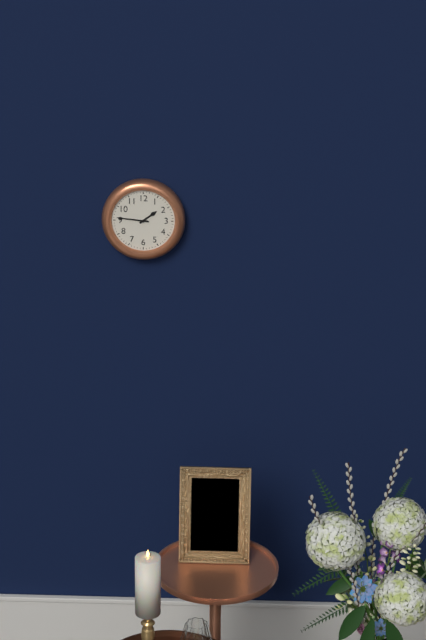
1:46
